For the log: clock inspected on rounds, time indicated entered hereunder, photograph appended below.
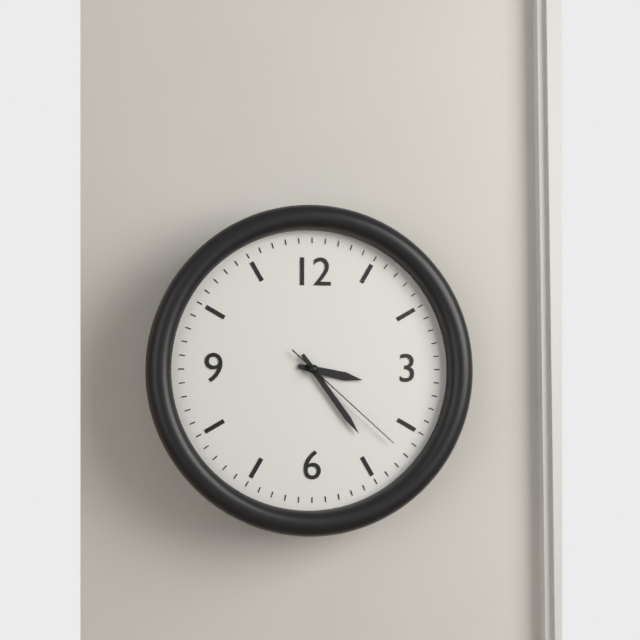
3:24:22
